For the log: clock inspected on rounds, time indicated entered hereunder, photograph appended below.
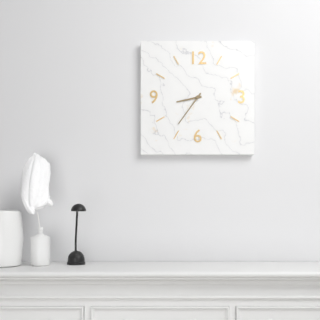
8:36
